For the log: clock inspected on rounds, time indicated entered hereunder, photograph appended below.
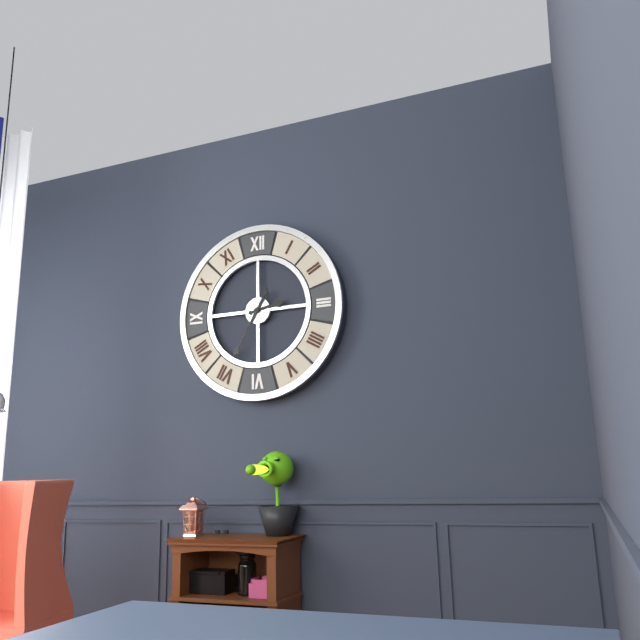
2:35
